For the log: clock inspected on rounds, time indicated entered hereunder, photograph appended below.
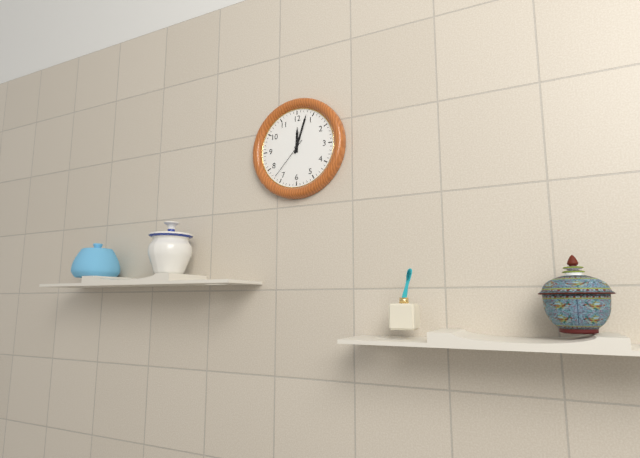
12:03
